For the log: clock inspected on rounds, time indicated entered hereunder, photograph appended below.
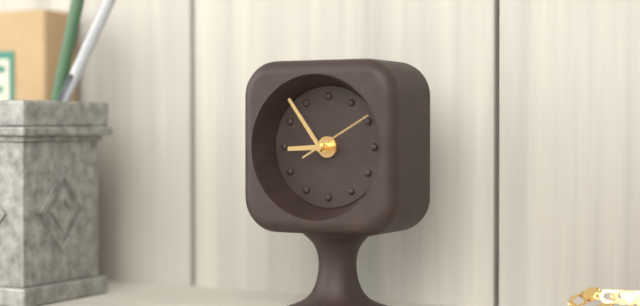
8:54:10
